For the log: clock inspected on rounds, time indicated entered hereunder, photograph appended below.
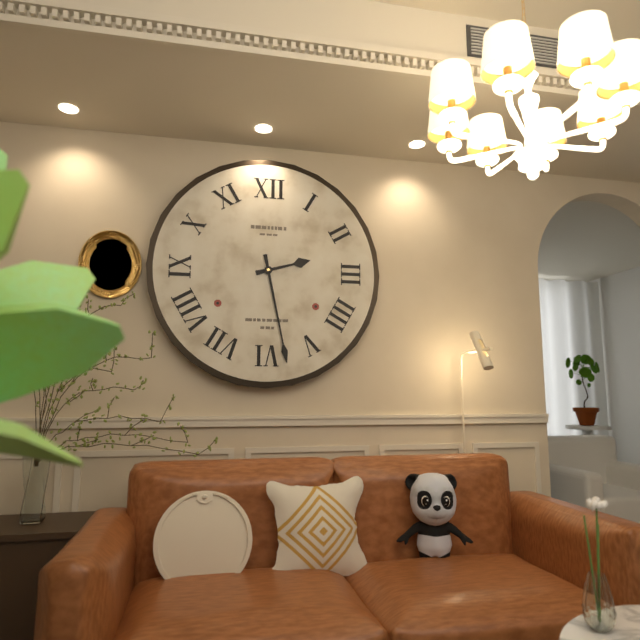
2:28
